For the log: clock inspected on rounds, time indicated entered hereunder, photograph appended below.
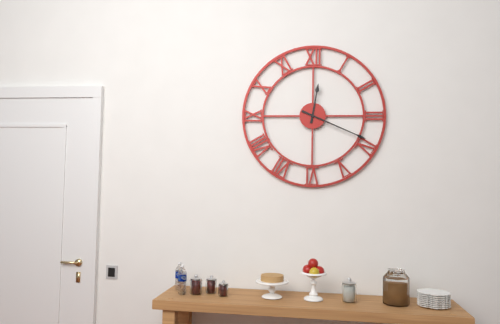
12:19
